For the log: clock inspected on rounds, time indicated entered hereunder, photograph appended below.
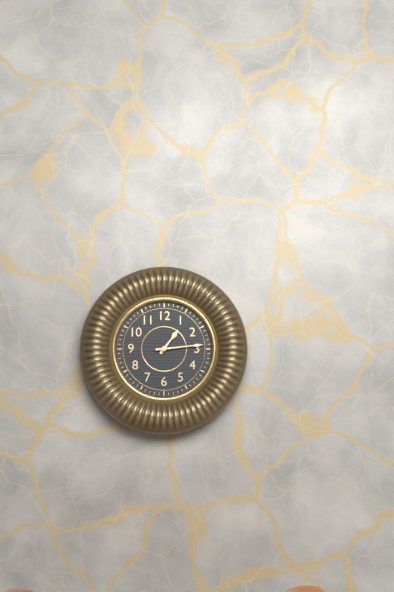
1:14
